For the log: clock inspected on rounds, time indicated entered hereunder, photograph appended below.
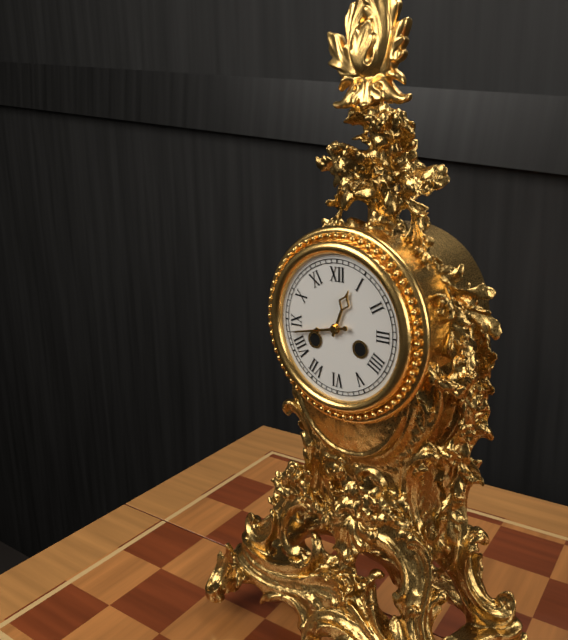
12:43
